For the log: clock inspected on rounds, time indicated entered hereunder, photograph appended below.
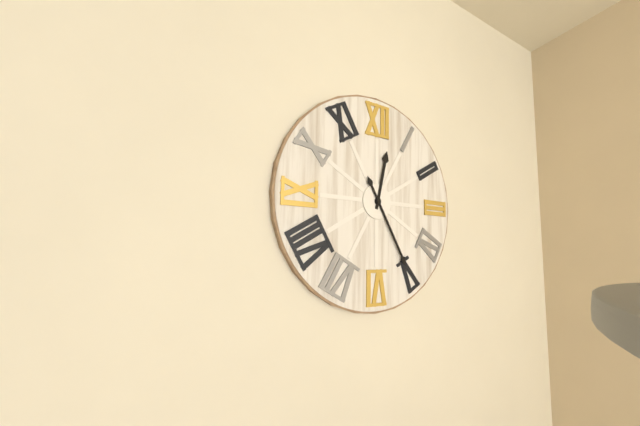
12:25
